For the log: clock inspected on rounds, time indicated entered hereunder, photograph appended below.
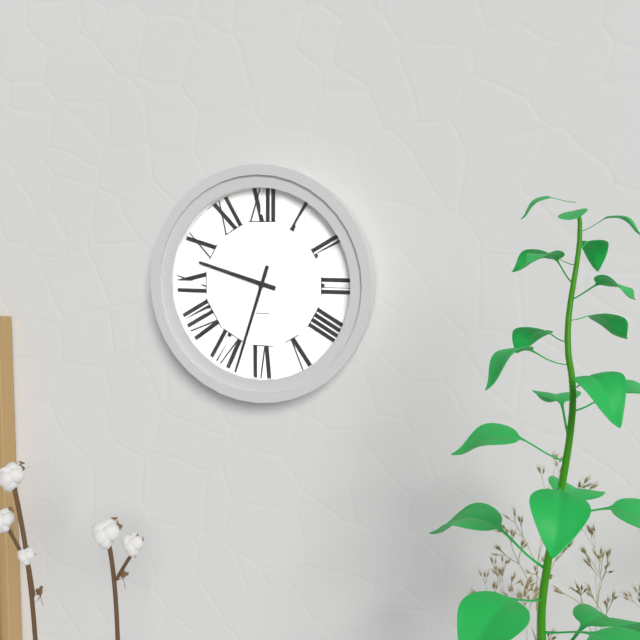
9:33
